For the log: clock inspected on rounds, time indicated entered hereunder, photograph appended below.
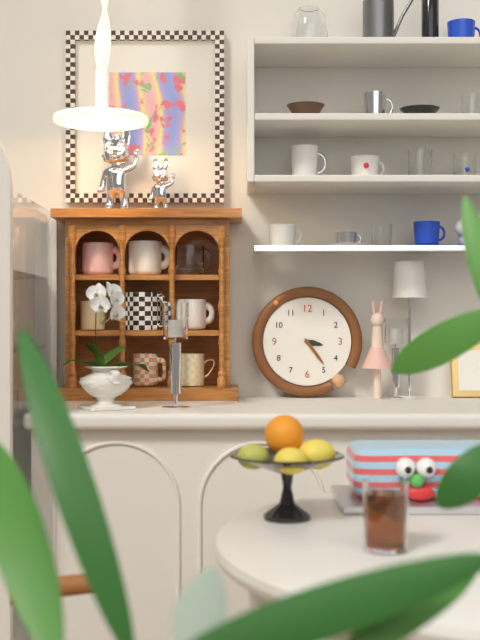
3:24
